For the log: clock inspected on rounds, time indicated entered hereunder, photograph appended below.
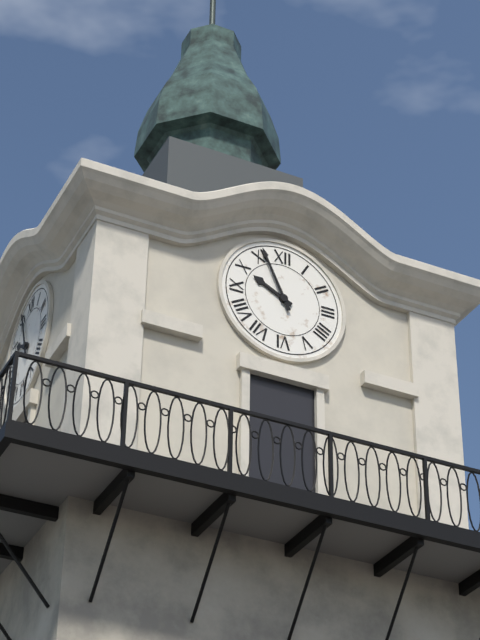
9:56
